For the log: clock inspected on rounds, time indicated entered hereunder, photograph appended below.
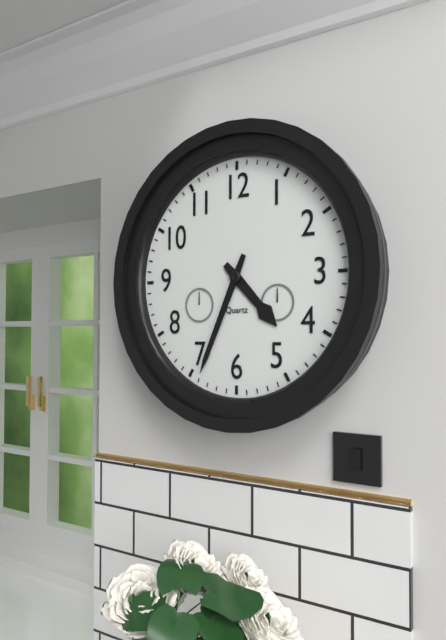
4:34
